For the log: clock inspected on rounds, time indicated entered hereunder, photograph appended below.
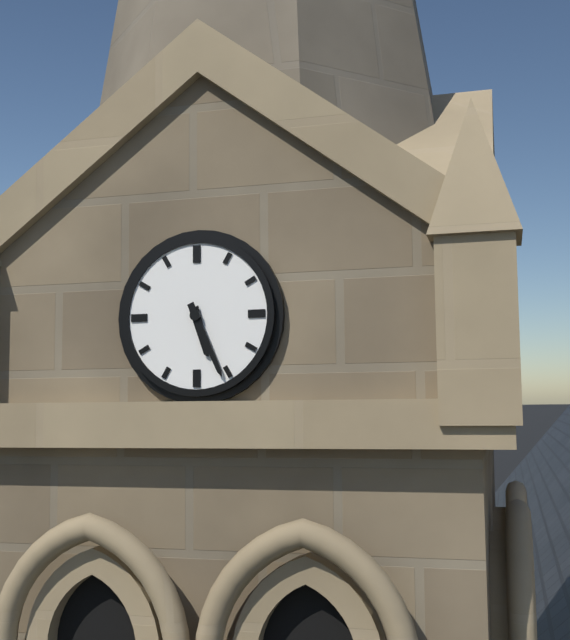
5:26
